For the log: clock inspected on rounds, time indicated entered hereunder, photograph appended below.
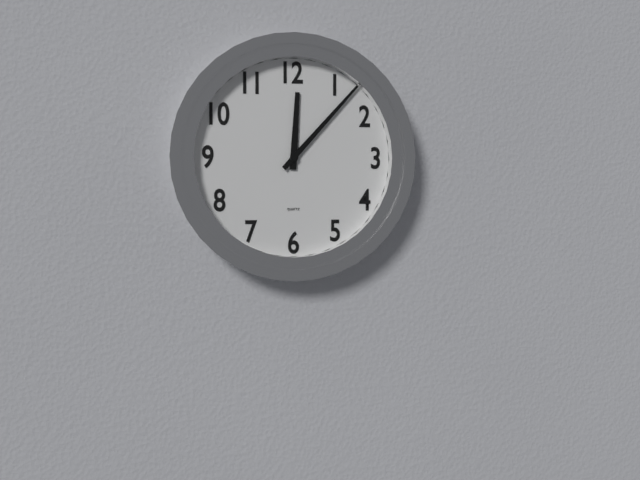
12:07
